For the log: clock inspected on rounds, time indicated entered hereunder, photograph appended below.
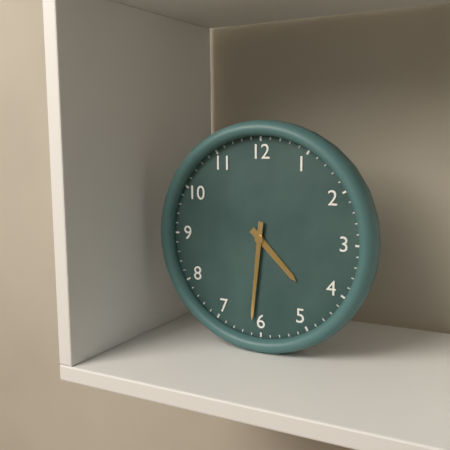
4:31
